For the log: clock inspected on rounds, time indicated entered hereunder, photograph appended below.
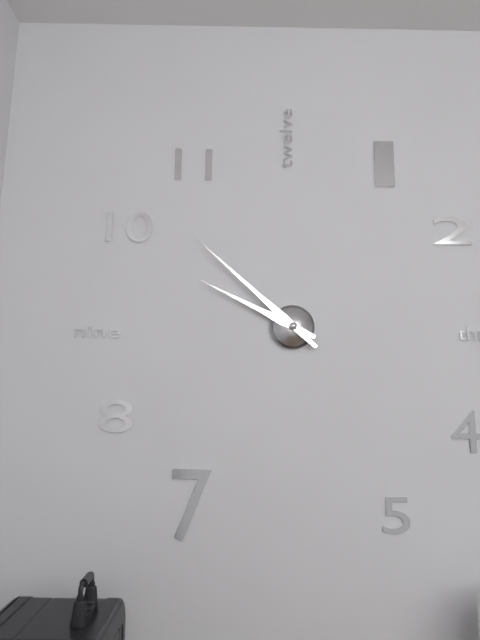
9:52
